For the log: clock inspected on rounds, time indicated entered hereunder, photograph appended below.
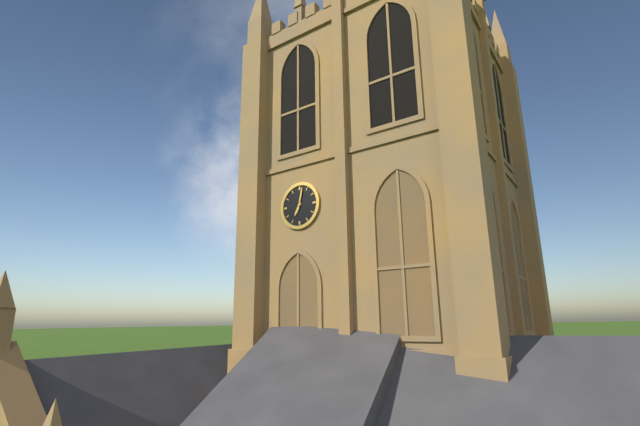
7:02
